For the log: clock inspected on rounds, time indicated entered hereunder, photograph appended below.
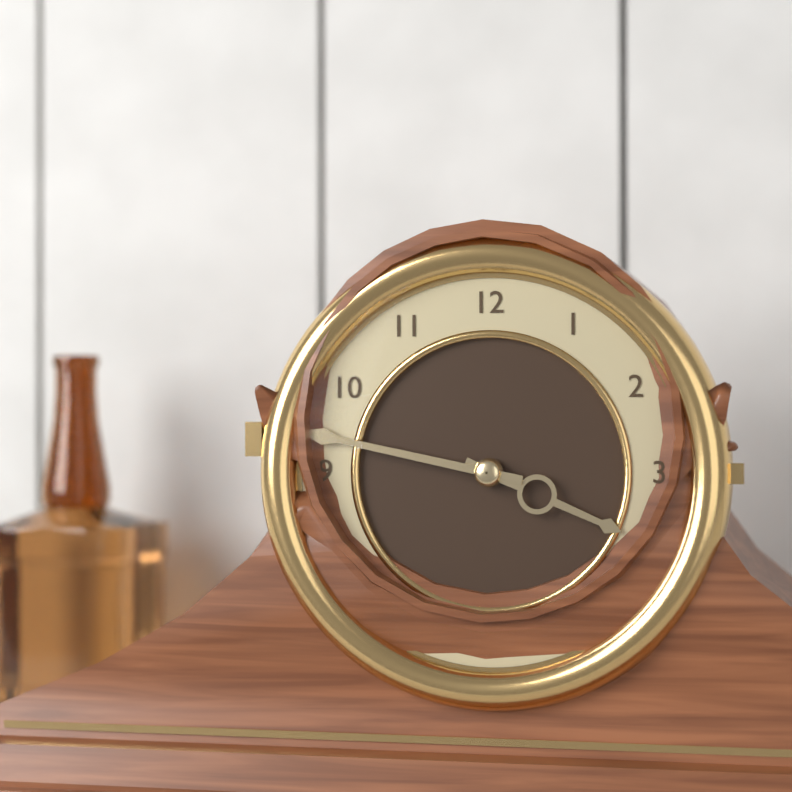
3:47
